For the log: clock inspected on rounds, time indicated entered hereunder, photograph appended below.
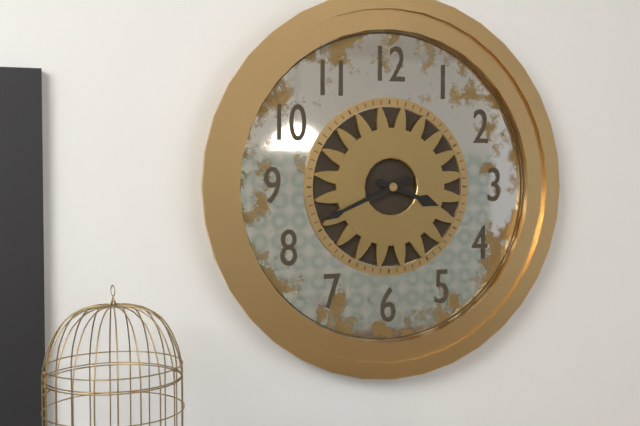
3:41
